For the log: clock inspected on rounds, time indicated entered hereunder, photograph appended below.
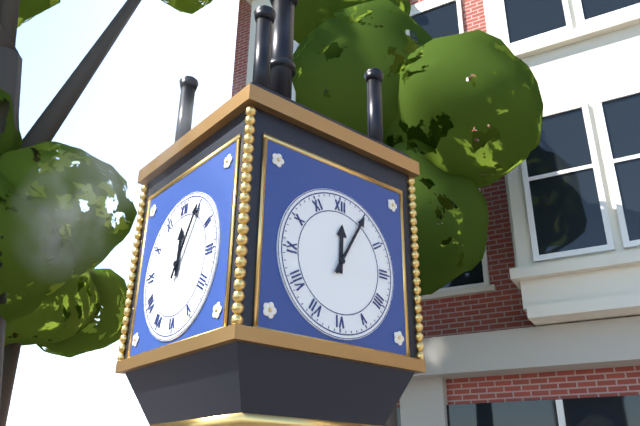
12:05
